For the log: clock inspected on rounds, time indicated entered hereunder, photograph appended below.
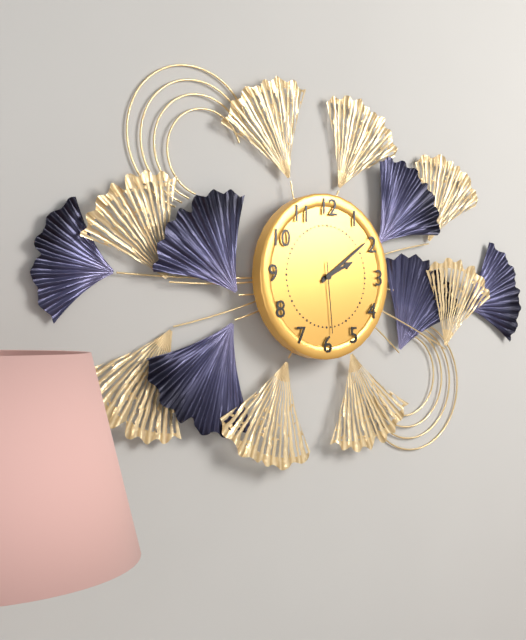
2:09:29
